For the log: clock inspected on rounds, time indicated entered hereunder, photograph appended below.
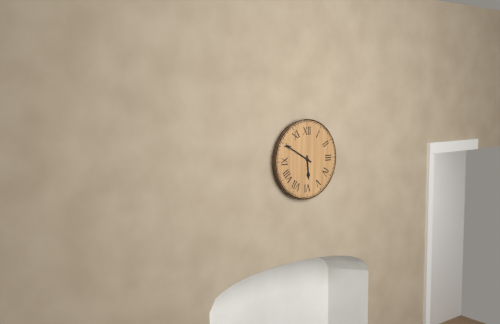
5:50
